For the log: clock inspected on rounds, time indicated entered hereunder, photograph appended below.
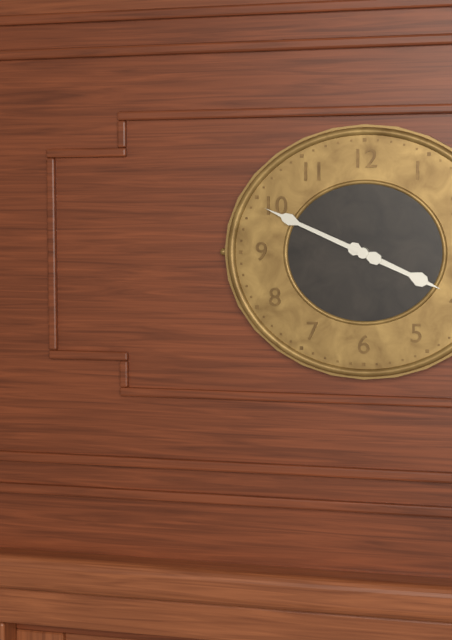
3:49
